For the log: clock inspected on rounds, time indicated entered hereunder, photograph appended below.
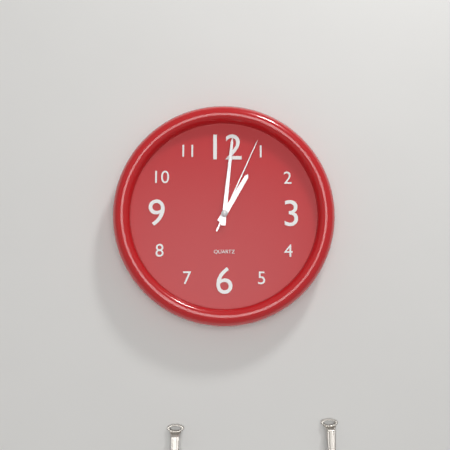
1:01:04
